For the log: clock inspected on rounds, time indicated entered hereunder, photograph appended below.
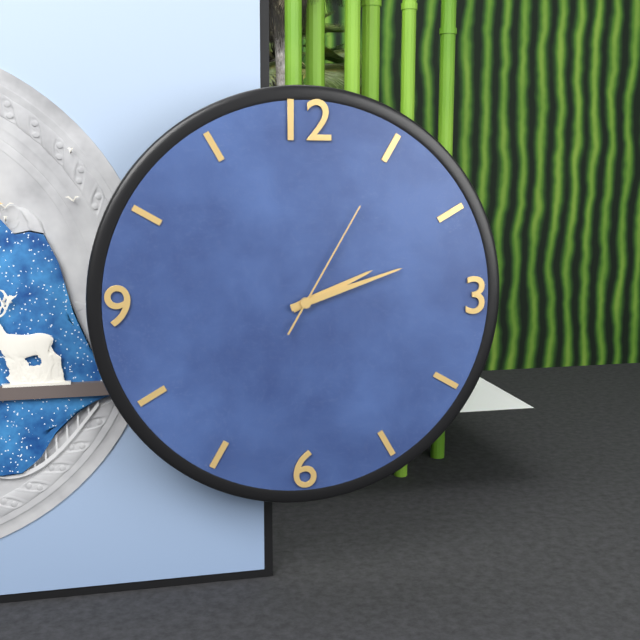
2:12:05
